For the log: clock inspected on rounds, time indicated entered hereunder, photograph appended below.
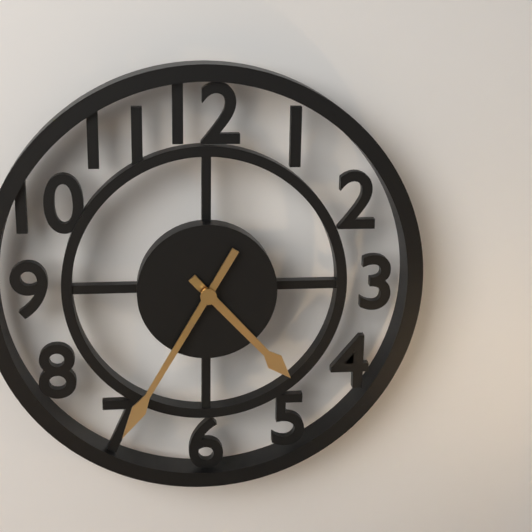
4:35
